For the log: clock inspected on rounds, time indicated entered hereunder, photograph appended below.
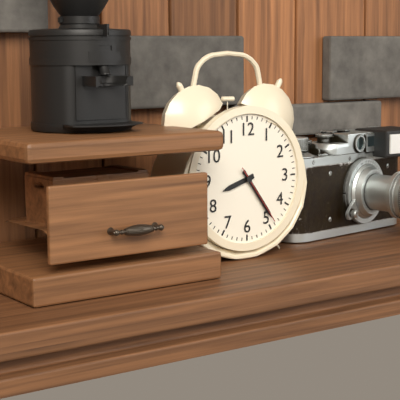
8:24:24
